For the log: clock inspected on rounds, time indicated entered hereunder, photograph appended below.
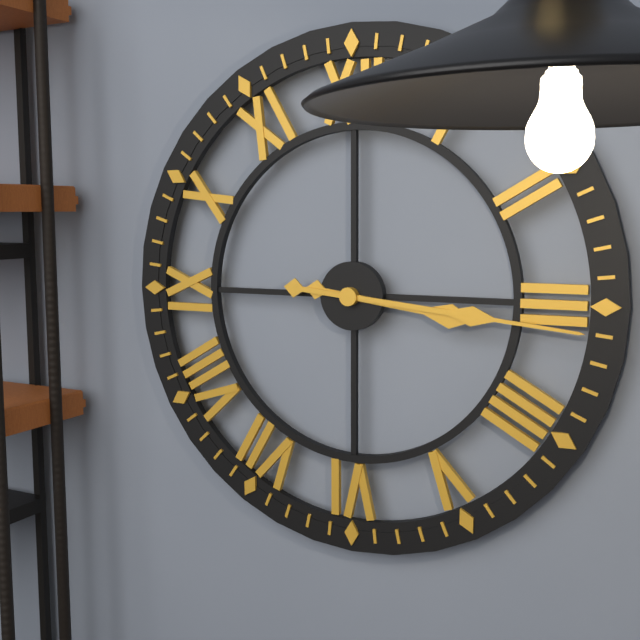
3:16
